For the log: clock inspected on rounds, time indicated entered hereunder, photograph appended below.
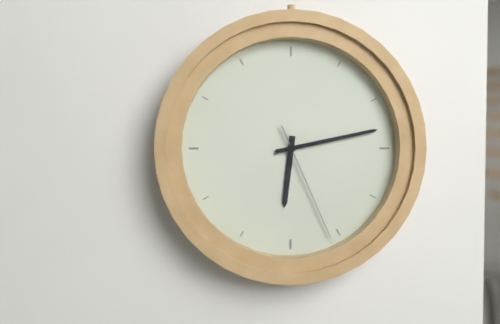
6:13:26
